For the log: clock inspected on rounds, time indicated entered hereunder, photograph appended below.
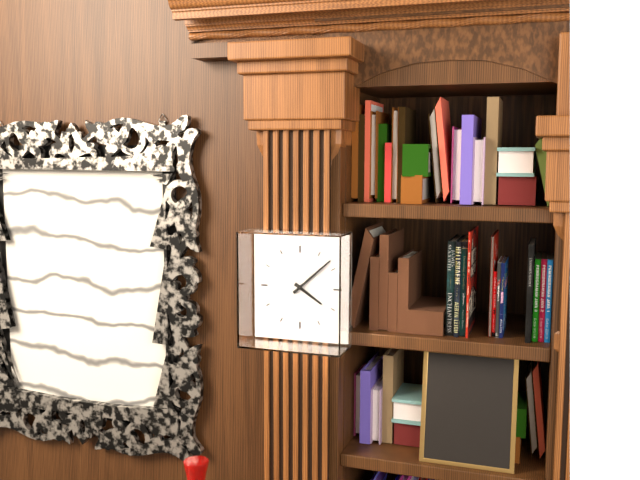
4:08
